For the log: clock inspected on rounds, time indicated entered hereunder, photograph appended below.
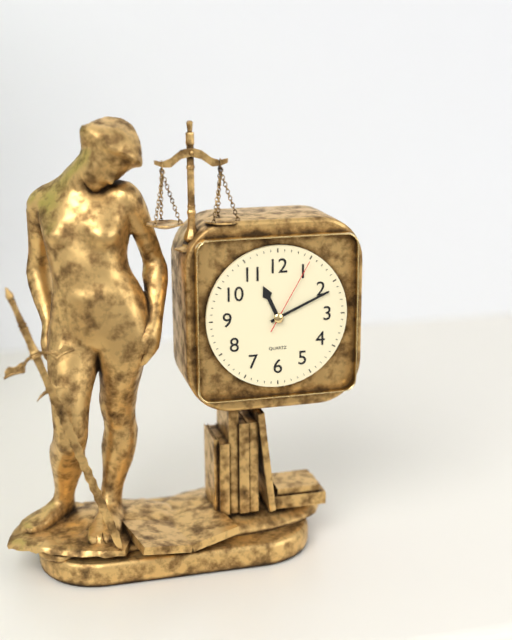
11:11:05
